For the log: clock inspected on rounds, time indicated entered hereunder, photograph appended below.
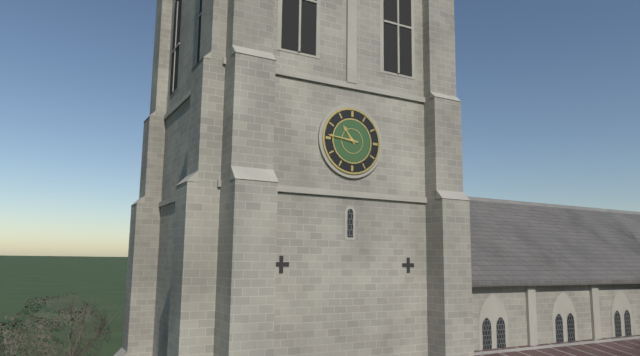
10:46
